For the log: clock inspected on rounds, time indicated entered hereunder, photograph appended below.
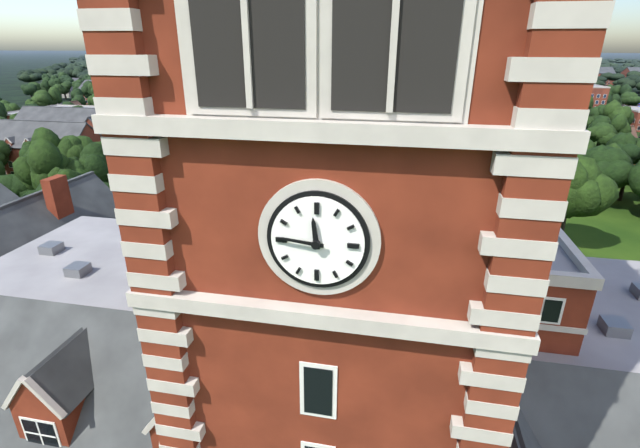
11:46
